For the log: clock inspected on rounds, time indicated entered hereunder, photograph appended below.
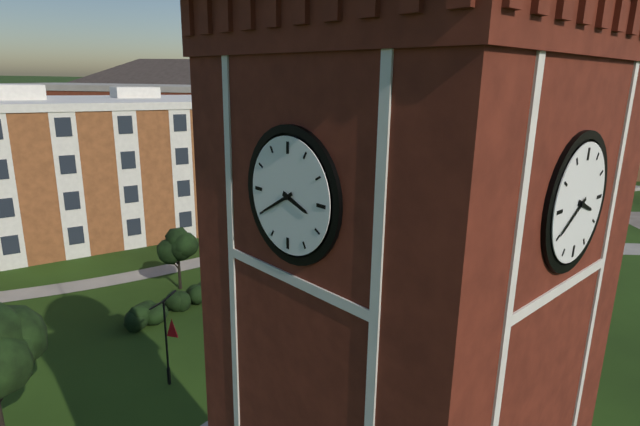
3:40
